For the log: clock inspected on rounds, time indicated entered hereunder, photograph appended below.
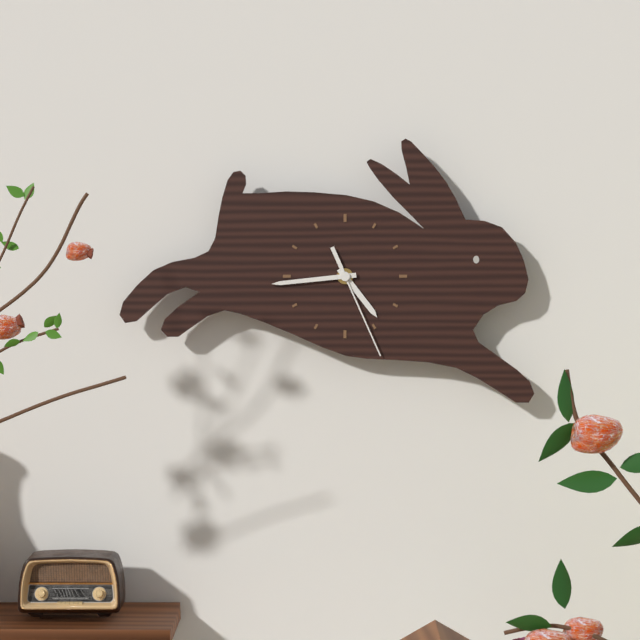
4:44:26
